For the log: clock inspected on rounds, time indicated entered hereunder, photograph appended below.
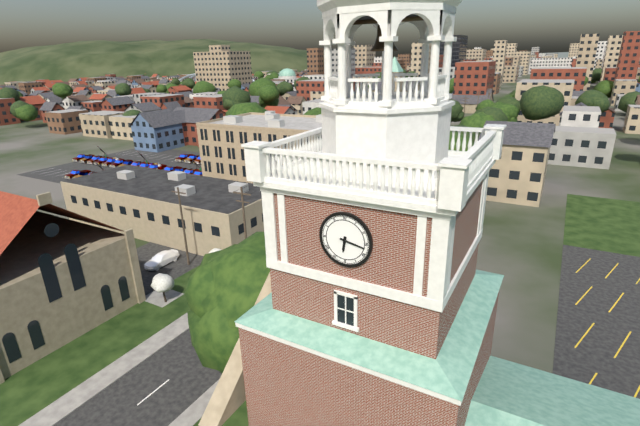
6:17
